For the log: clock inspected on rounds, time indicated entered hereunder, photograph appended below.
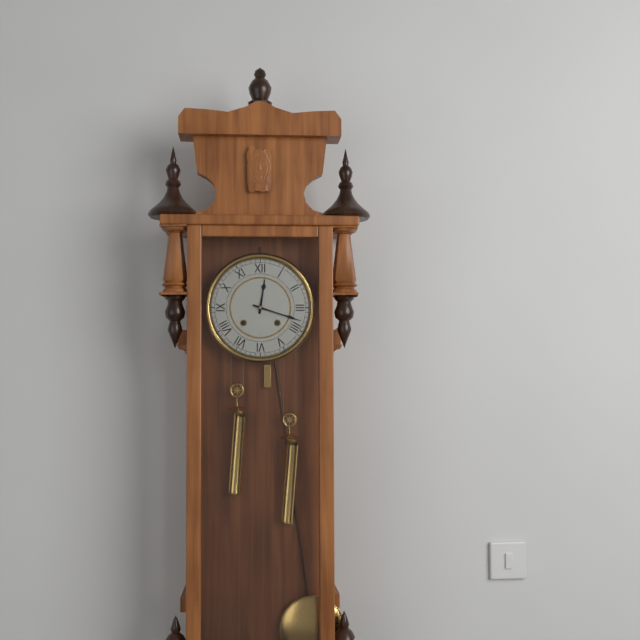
12:18
